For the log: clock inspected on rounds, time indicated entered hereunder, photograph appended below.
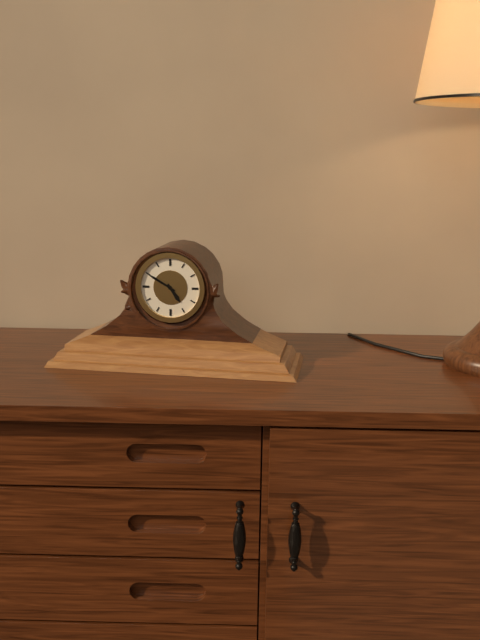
4:50
